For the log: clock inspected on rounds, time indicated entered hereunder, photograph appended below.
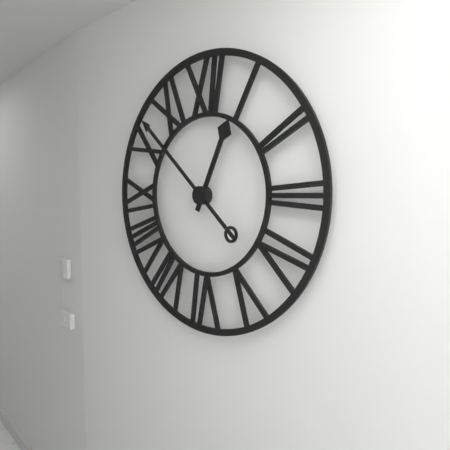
12:52
